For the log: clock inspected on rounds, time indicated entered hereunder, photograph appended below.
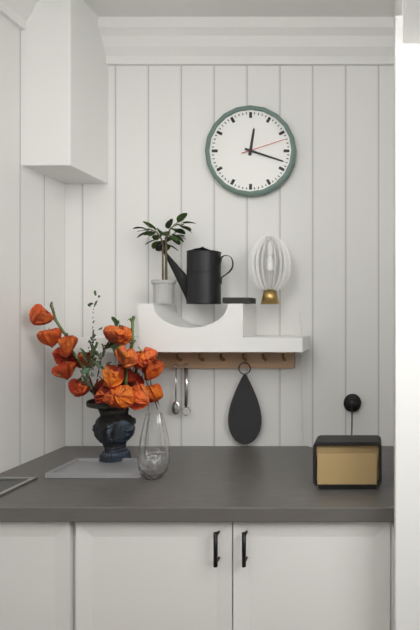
12:18
